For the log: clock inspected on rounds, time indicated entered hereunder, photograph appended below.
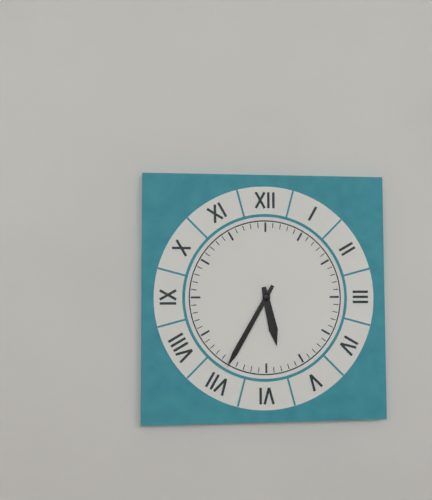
5:35
